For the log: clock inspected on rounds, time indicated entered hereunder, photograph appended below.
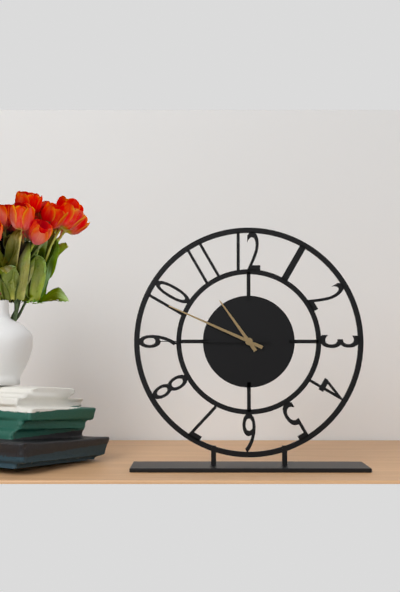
10:49:45
